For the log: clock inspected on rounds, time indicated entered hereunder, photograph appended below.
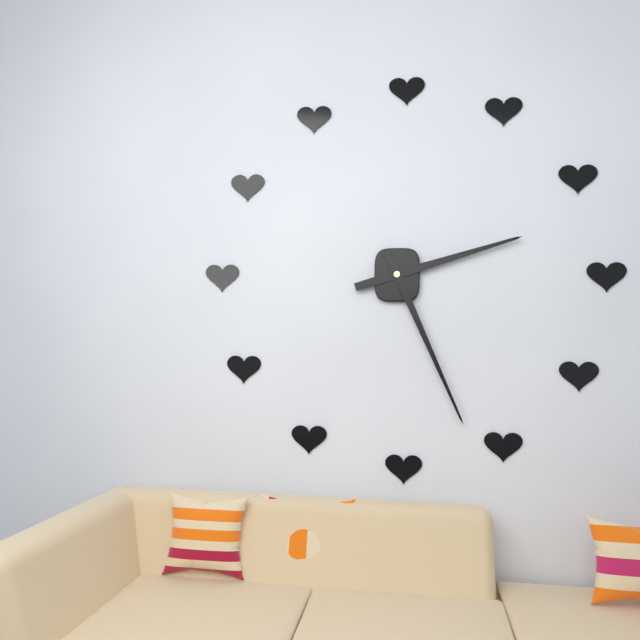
2:26
